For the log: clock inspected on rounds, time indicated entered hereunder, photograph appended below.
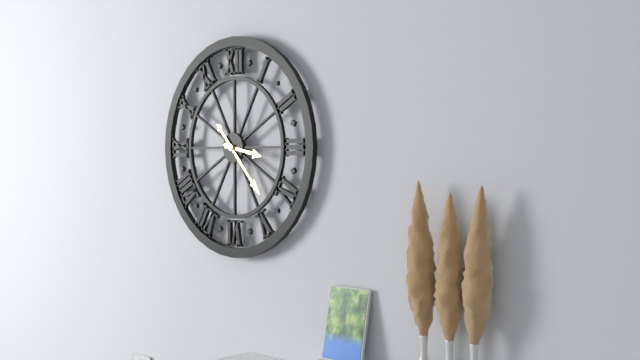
3:23
